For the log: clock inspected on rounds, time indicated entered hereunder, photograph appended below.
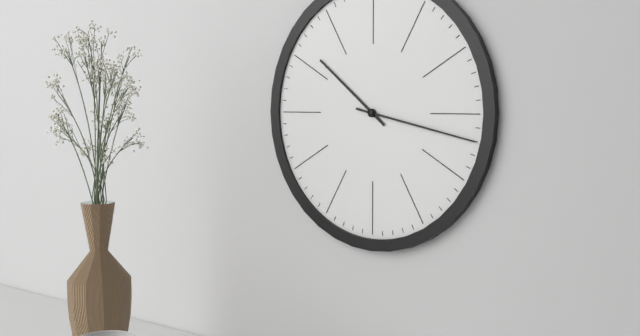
10:17
